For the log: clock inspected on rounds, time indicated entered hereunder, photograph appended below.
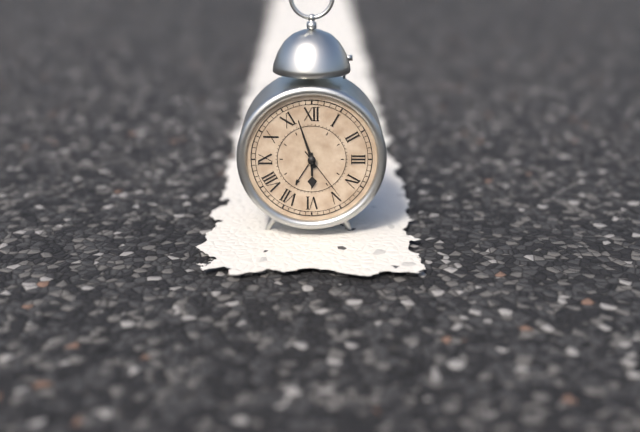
5:57:24
